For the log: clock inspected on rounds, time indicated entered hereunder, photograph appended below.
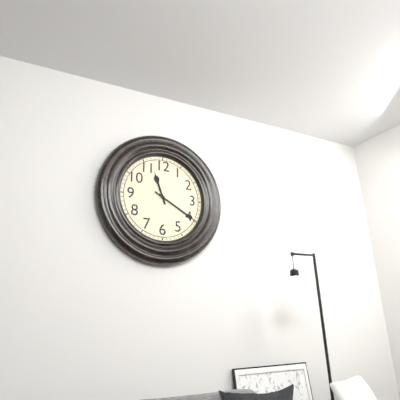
11:20
